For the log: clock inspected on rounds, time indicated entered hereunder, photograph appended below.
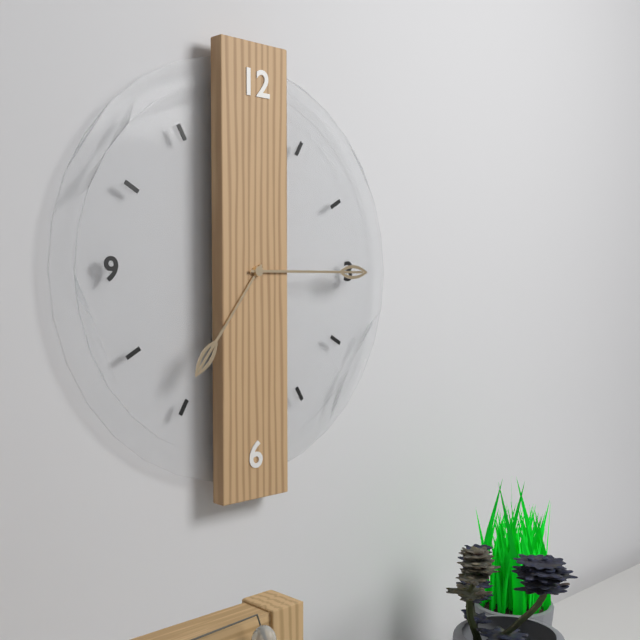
7:15
